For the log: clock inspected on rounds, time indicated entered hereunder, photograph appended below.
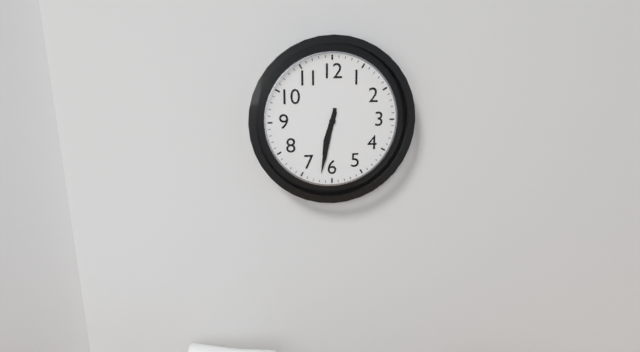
6:32
